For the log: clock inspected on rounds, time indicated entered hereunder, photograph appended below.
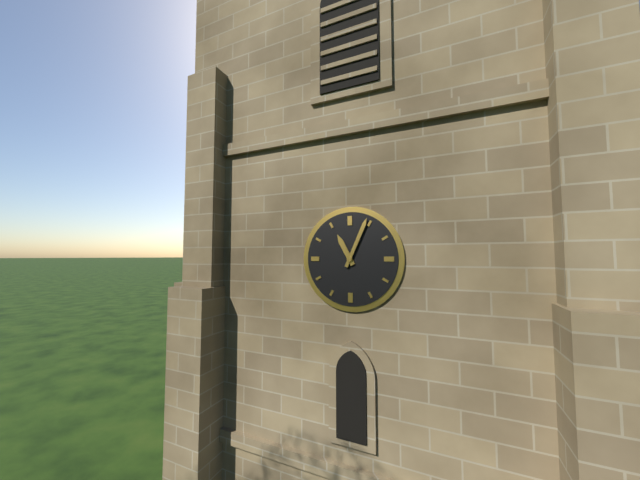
11:04
